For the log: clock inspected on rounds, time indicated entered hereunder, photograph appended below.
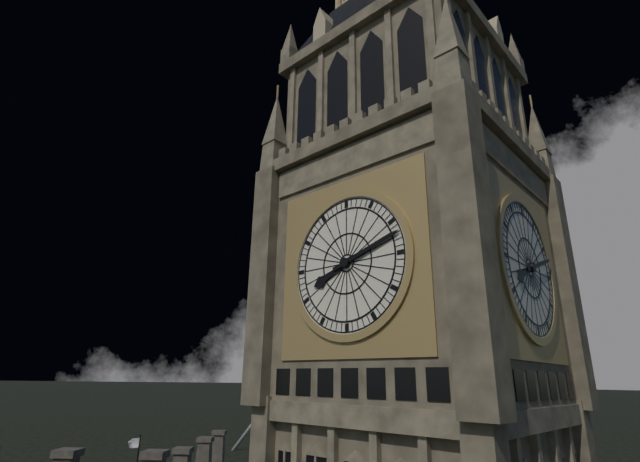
8:12
